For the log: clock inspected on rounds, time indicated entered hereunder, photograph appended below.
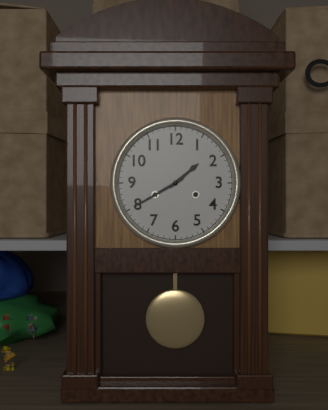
1:40
